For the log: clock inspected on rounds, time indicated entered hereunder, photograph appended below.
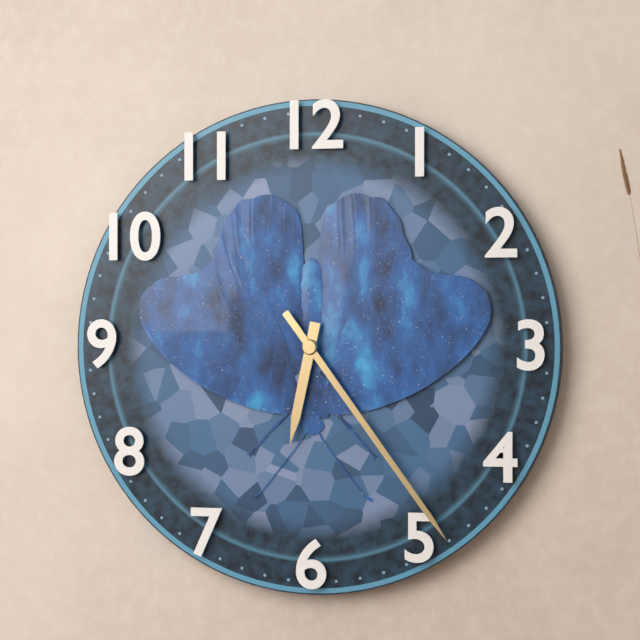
6:24
